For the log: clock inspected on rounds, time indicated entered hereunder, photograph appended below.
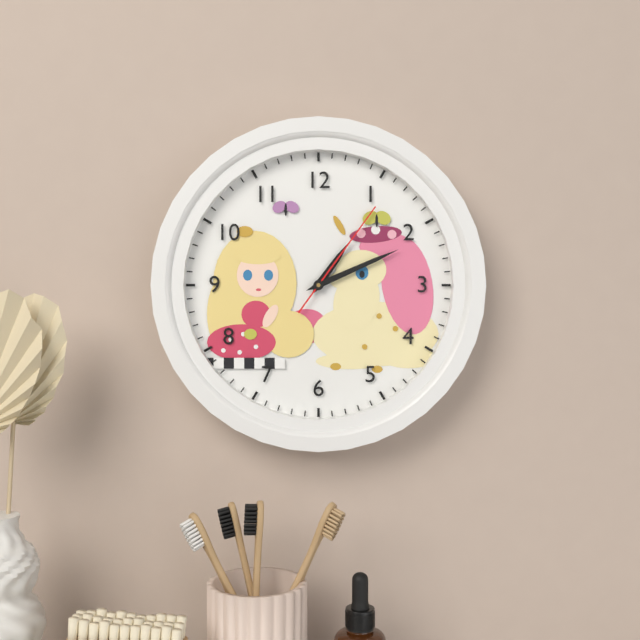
1:11:06
